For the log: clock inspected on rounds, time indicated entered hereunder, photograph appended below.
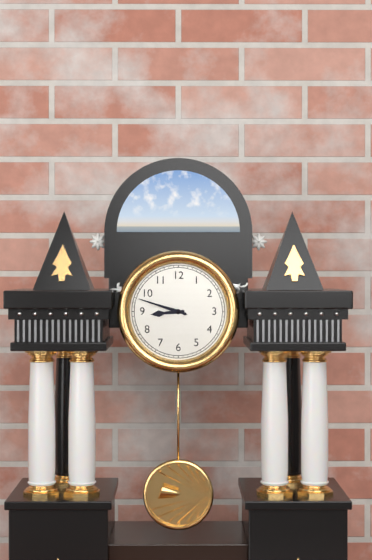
8:48
